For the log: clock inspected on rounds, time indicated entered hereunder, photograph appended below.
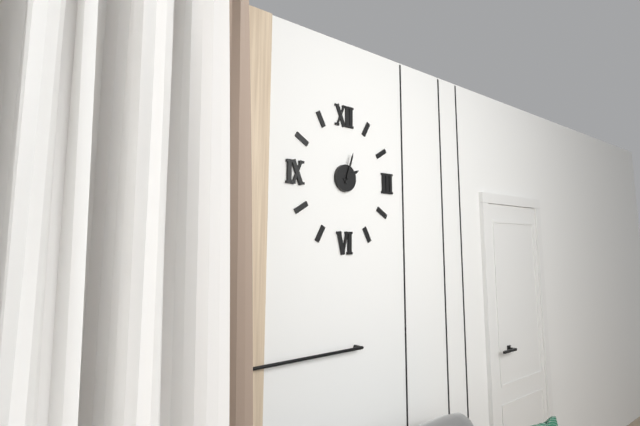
2:03
